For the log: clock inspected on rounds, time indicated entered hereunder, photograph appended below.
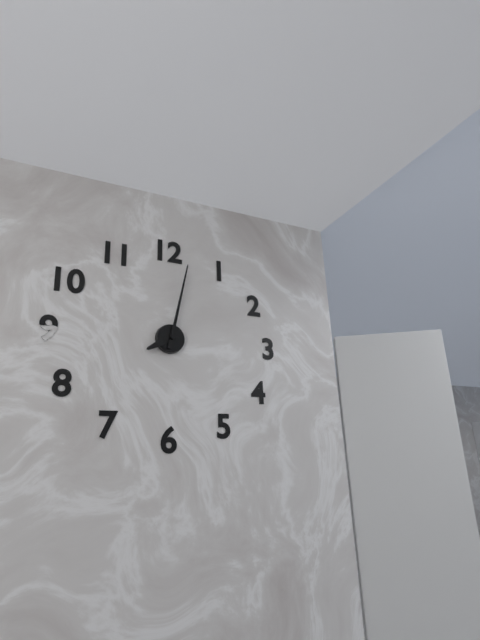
8:02
